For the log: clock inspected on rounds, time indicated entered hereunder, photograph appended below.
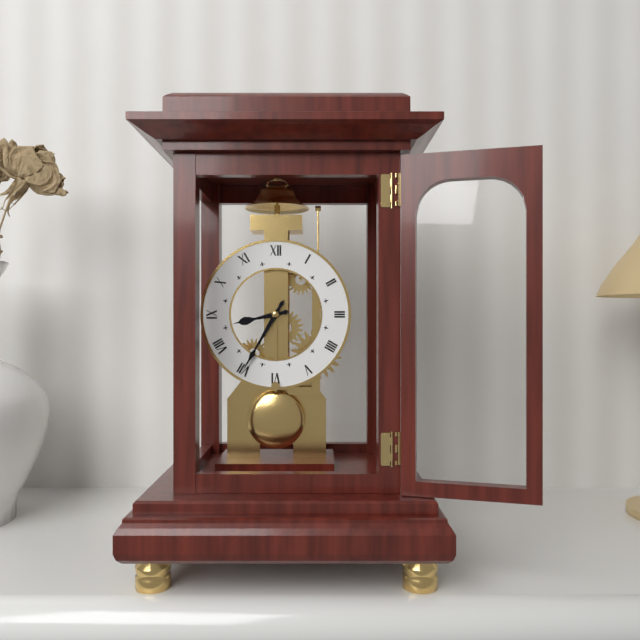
8:35
